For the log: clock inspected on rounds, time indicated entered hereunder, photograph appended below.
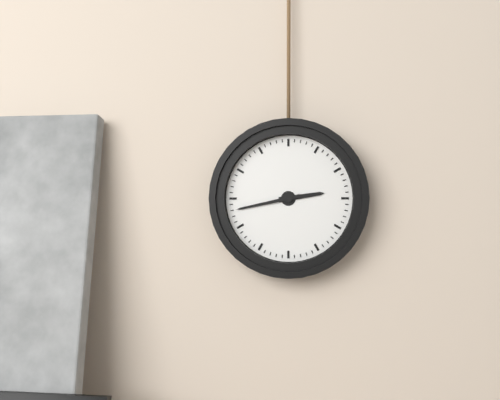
2:43
